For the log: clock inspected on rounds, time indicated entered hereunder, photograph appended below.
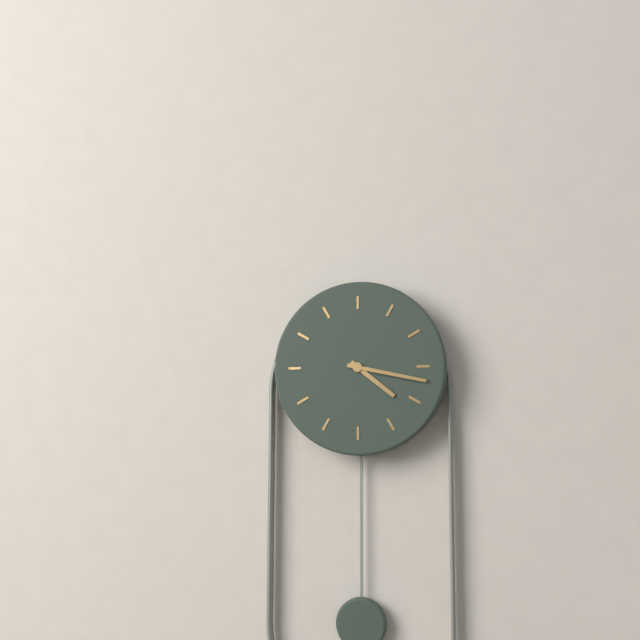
4:17
